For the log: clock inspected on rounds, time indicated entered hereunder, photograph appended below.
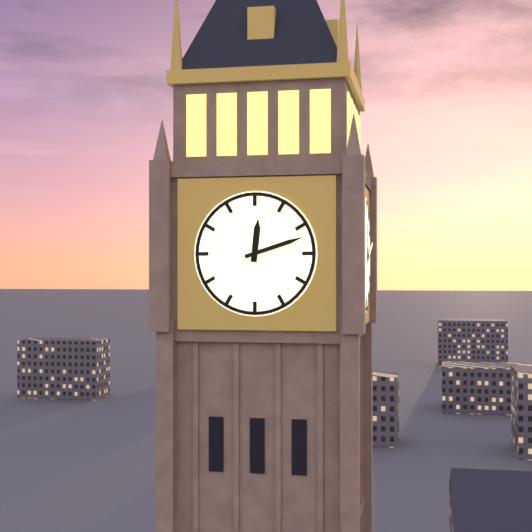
12:12
